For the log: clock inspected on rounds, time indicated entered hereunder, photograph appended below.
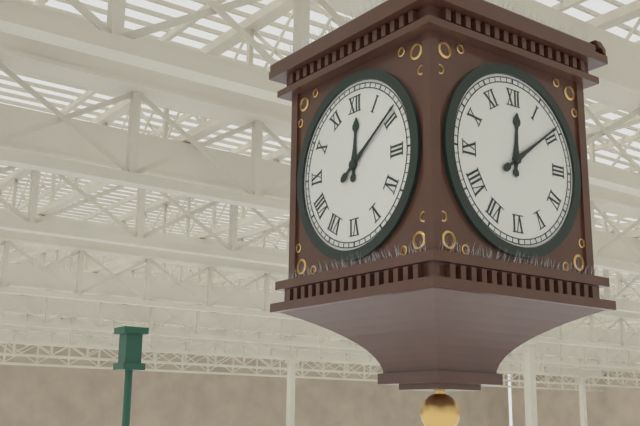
12:09
